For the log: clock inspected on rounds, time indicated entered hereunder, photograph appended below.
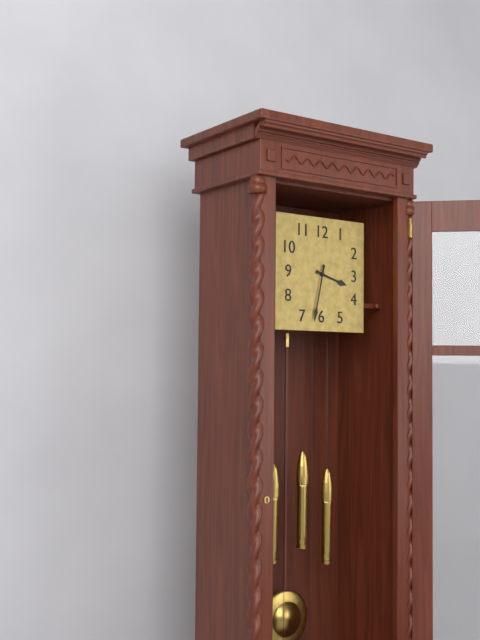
3:32
